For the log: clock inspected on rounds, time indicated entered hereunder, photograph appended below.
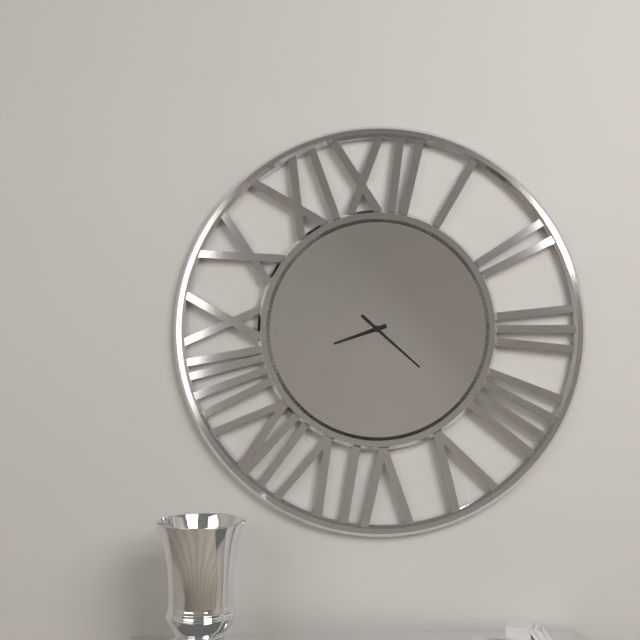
8:22
